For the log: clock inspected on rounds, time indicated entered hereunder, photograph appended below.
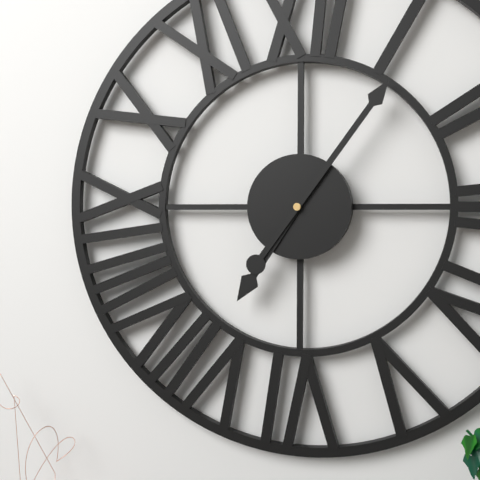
7:06
